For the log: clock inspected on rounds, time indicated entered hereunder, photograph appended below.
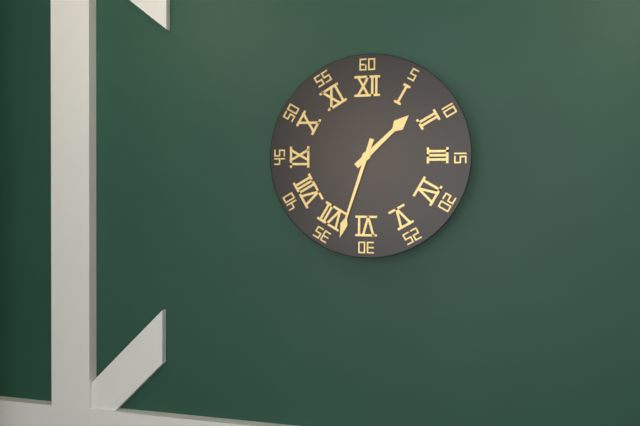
1:33
